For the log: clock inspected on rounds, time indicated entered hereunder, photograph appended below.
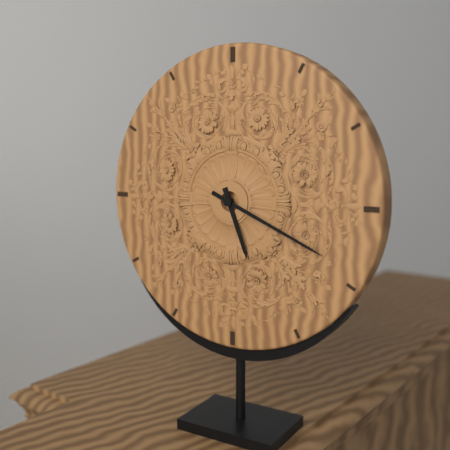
5:19
